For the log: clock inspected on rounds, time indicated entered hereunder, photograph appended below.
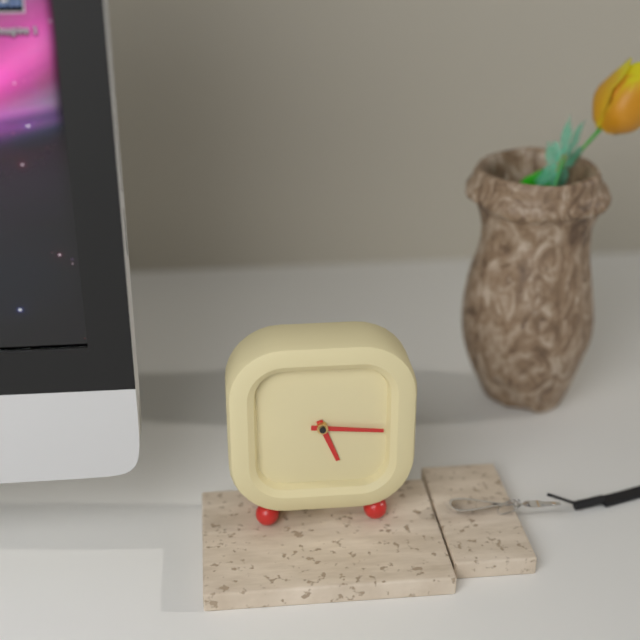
5:16
